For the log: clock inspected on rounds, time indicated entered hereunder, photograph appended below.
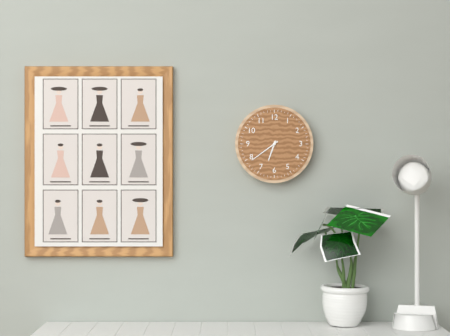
6:39
